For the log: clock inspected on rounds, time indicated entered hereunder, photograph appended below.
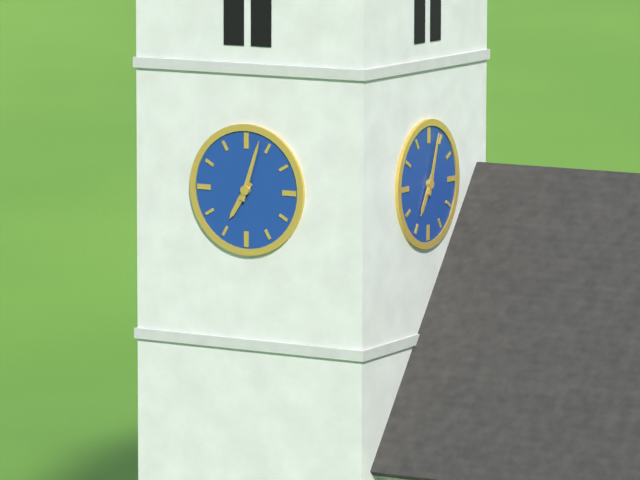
7:03
